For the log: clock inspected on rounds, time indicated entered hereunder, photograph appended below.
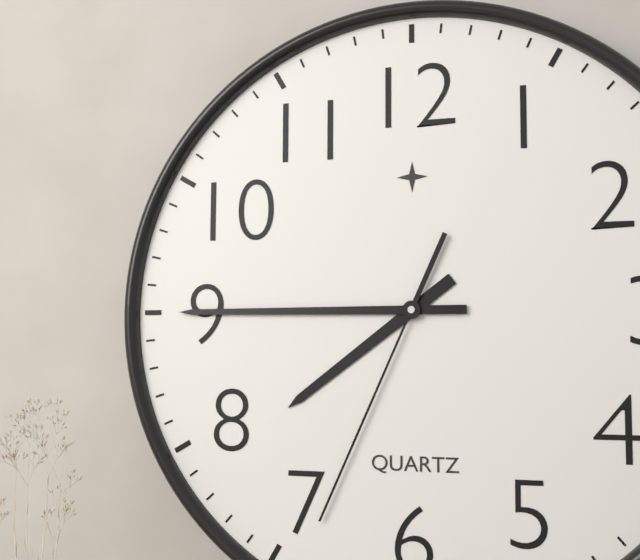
7:45:34
